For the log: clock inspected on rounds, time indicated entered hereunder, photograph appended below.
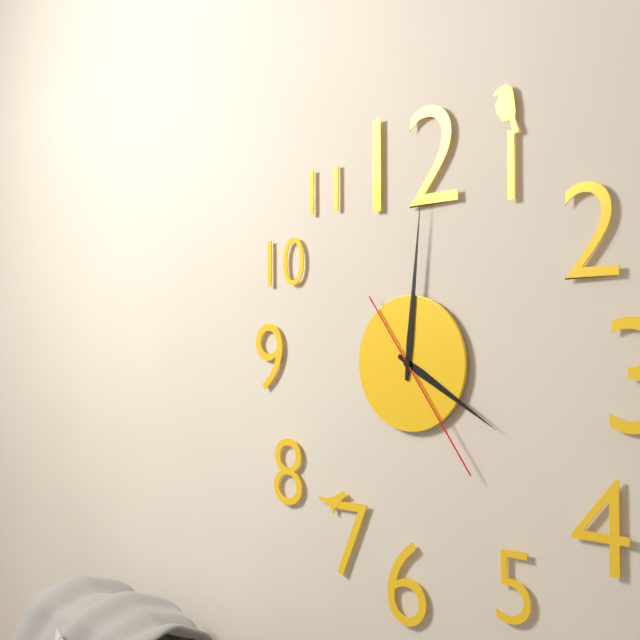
4:01:24
